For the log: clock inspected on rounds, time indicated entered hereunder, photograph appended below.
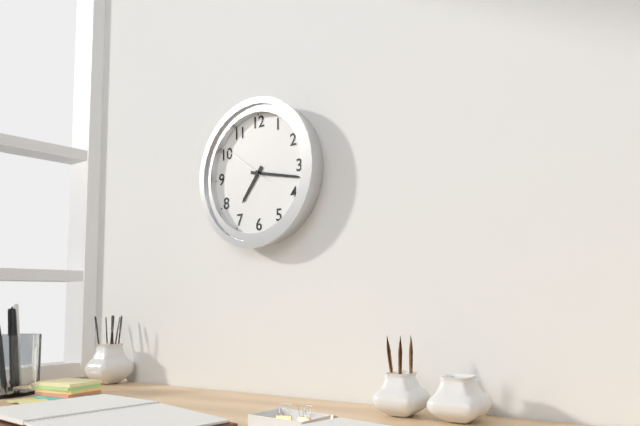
7:17:51
